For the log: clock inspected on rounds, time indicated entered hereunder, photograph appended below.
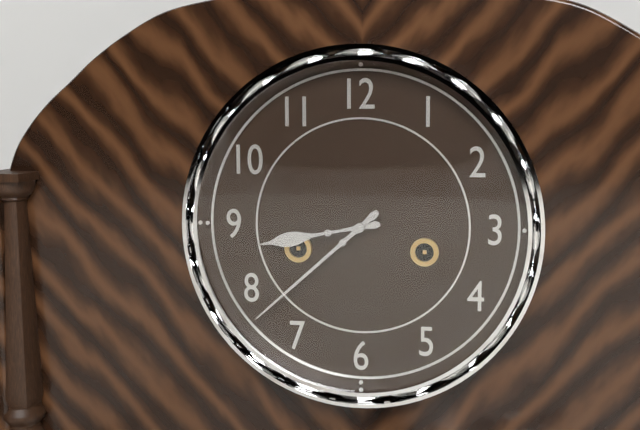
8:38
